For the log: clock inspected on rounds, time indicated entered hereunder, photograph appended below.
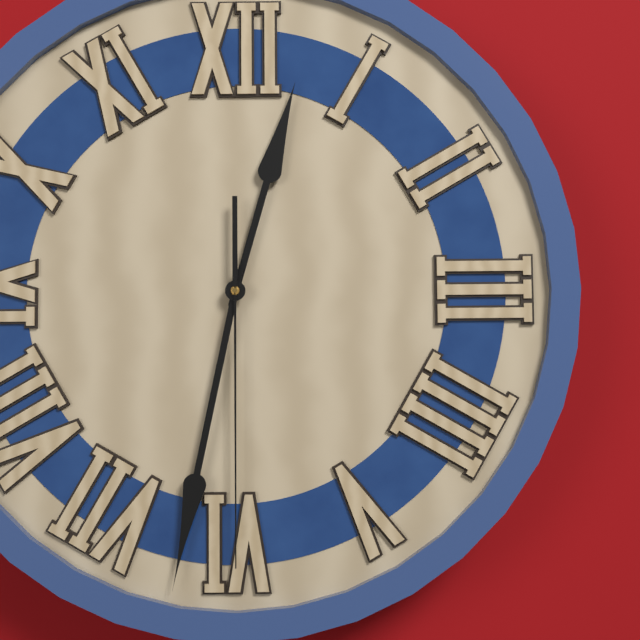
12:32:30
